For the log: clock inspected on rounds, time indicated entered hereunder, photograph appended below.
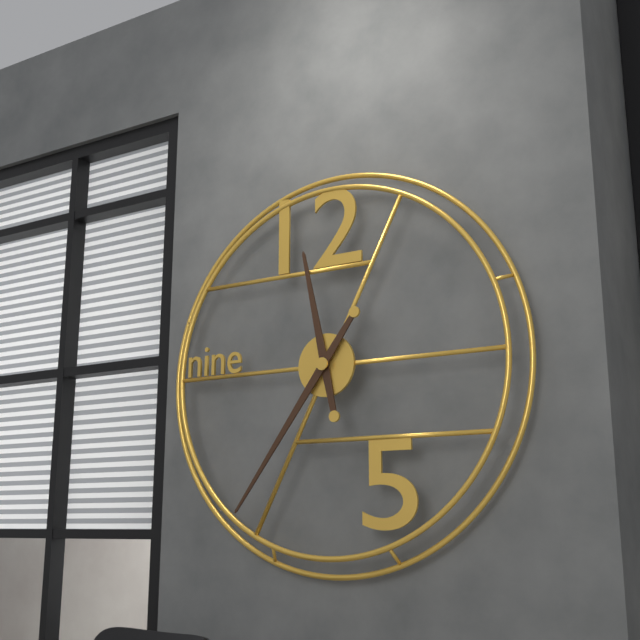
11:36
